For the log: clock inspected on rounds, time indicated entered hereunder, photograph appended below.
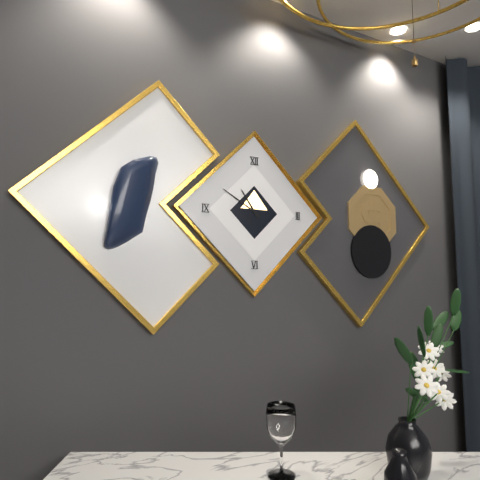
10:50
